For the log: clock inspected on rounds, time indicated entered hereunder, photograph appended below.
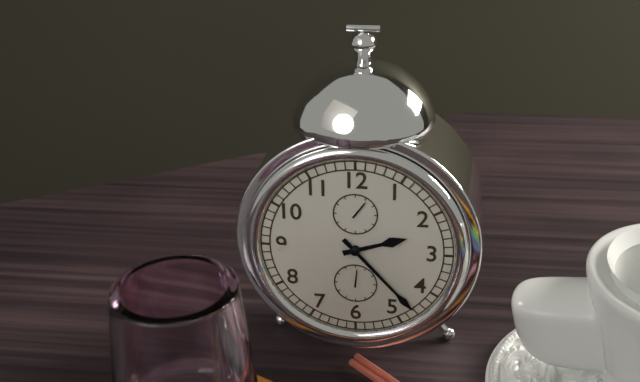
2:23
